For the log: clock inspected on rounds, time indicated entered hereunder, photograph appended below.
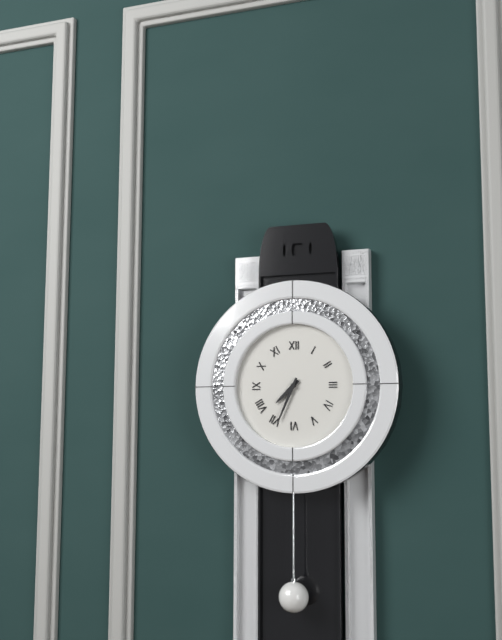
7:34
